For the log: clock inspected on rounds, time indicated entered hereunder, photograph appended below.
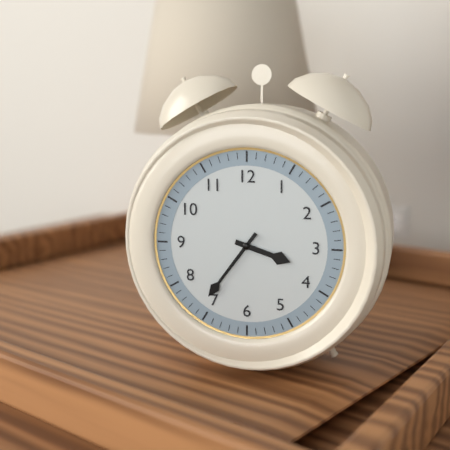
3:36
